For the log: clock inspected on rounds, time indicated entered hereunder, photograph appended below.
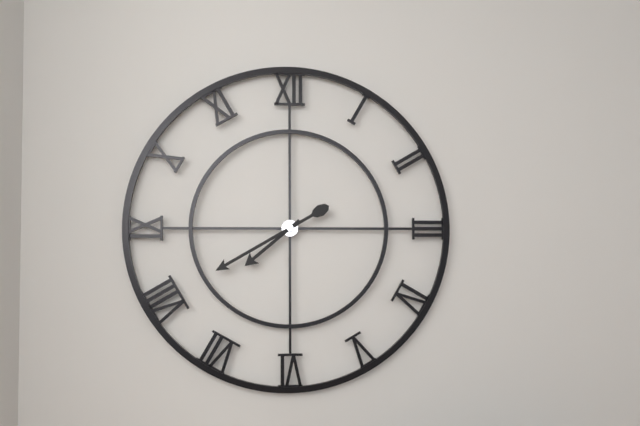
7:40
